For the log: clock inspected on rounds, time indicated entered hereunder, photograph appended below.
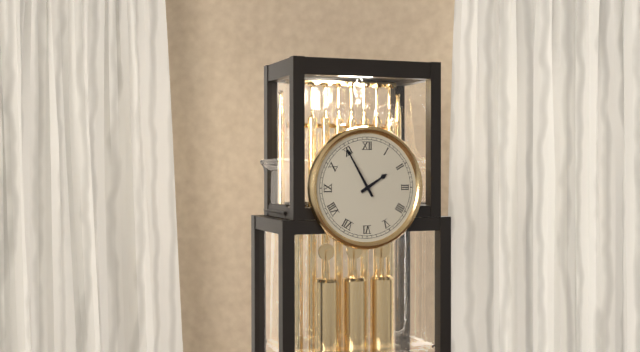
1:55
